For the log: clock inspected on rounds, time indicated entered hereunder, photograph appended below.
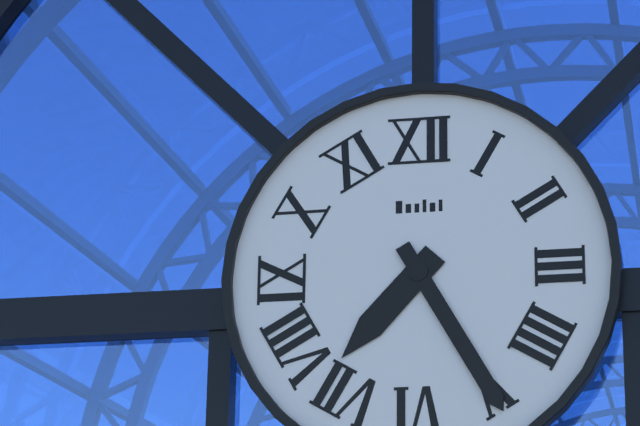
7:25
